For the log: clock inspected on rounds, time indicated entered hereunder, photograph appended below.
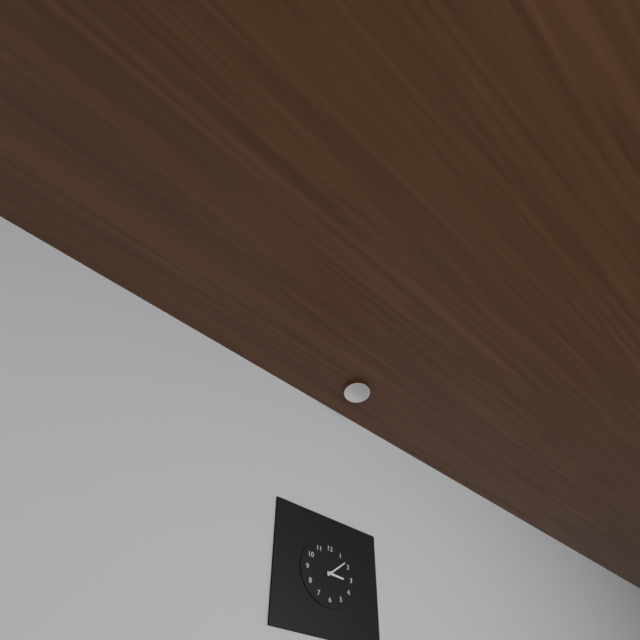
3:08
